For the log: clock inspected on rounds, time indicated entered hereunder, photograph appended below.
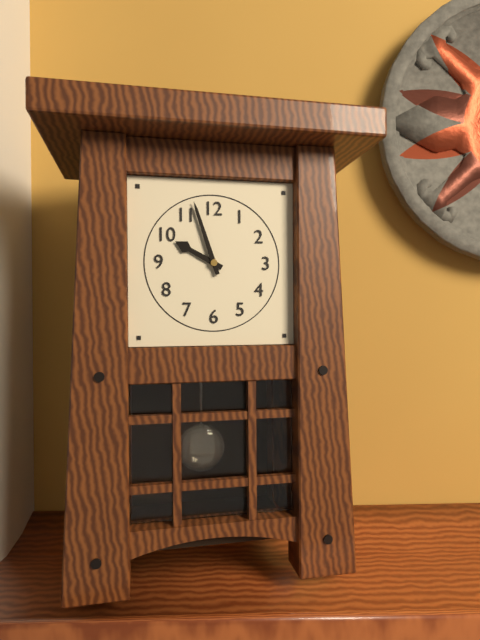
9:57
